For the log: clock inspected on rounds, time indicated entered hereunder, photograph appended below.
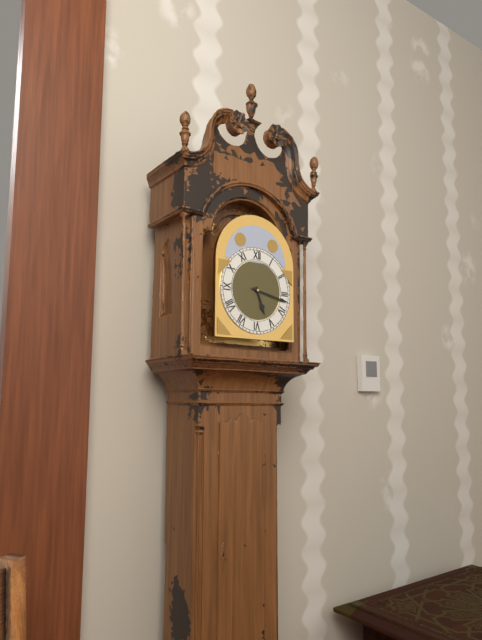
5:17
